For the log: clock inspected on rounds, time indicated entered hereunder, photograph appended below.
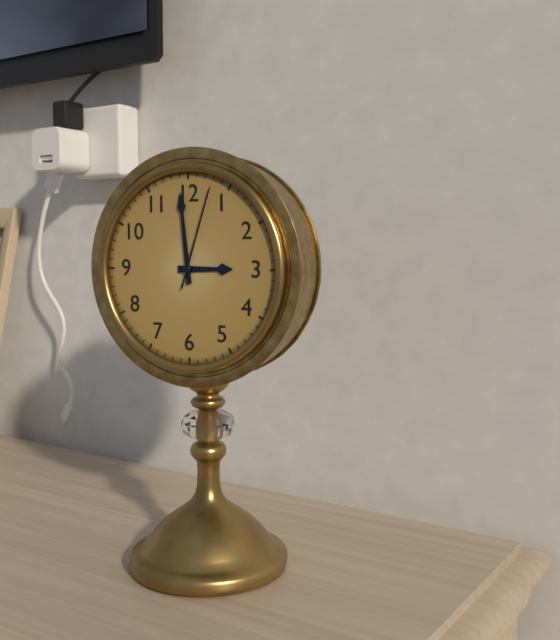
2:59:03
